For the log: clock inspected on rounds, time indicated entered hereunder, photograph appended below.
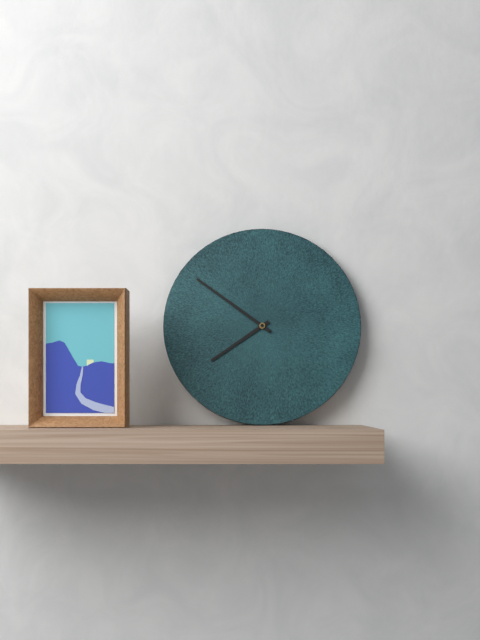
7:51
